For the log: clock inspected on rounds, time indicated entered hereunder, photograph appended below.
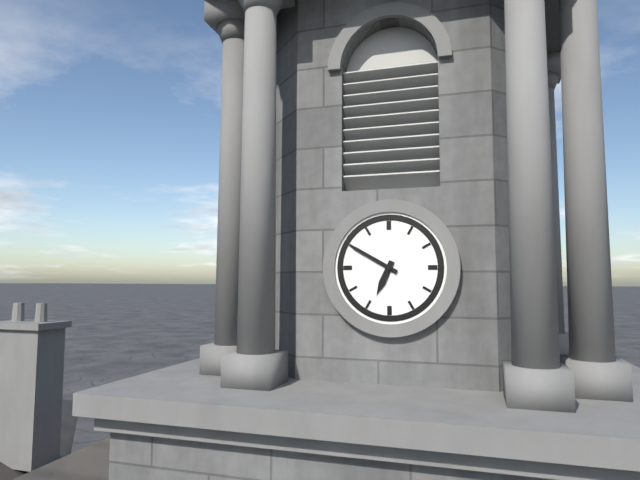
6:50
